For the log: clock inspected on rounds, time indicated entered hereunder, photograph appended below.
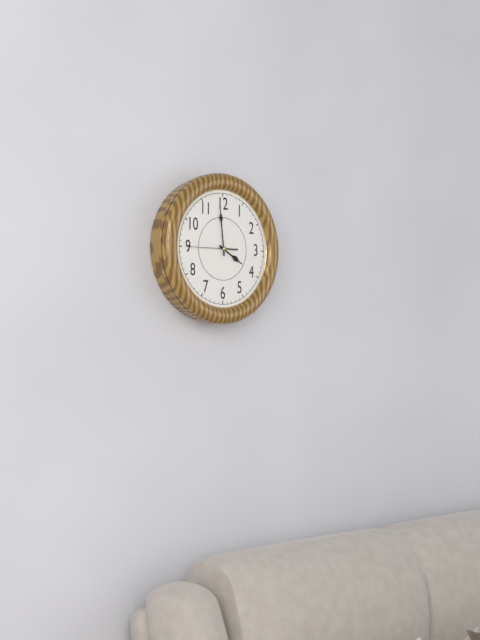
3:59
